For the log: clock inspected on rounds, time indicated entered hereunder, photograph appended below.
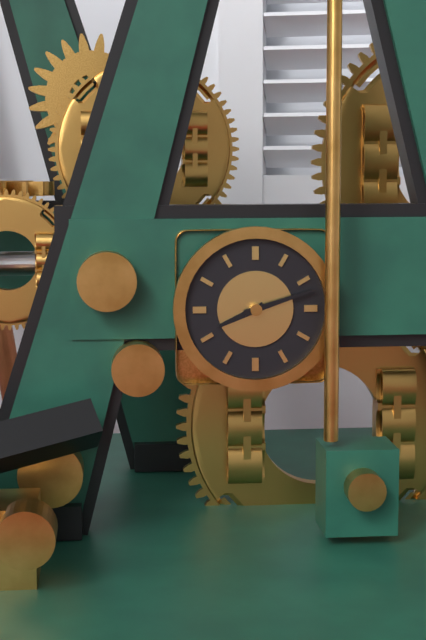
8:12
